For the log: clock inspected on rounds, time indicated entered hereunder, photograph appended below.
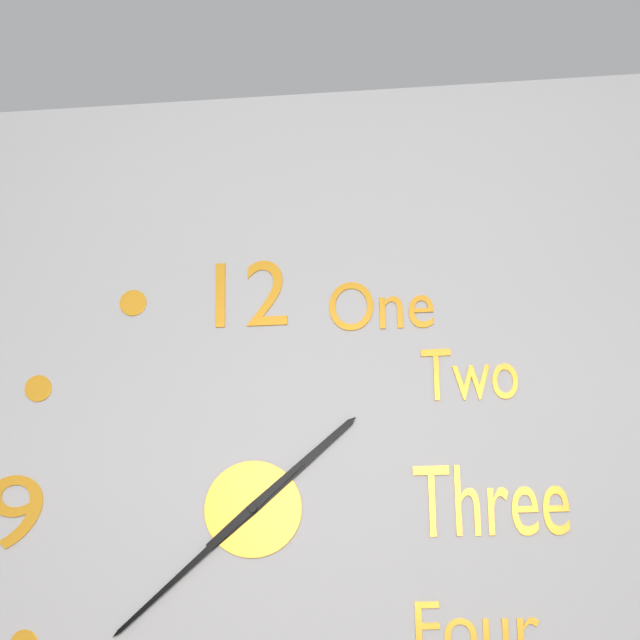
1:38
